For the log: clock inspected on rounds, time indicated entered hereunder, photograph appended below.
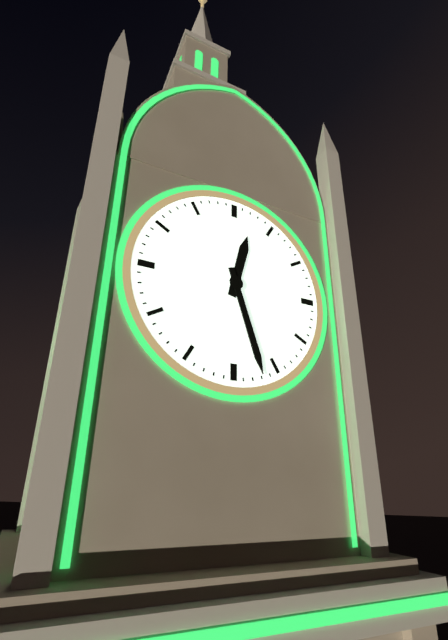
12:27
